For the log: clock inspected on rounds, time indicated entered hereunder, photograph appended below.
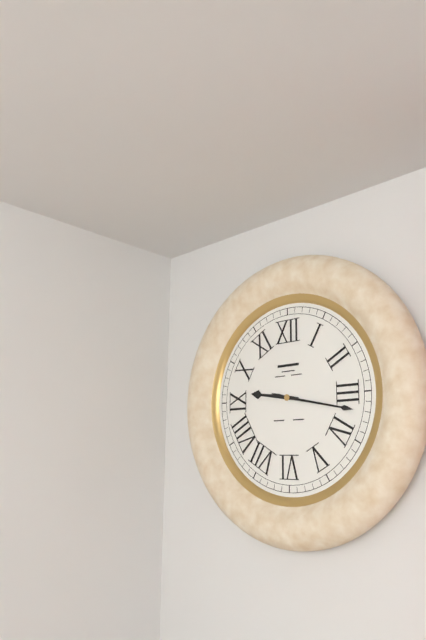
9:17
